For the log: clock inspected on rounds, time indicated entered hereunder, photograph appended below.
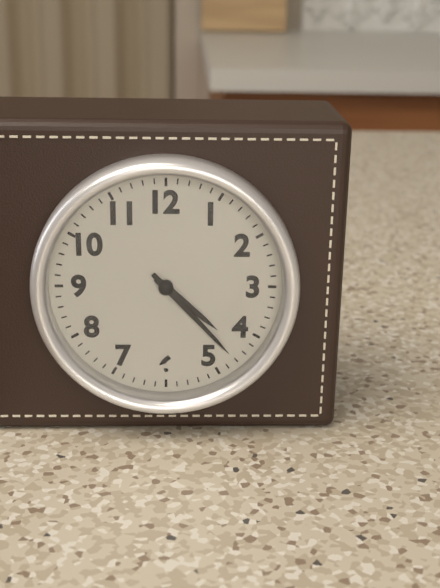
4:23
